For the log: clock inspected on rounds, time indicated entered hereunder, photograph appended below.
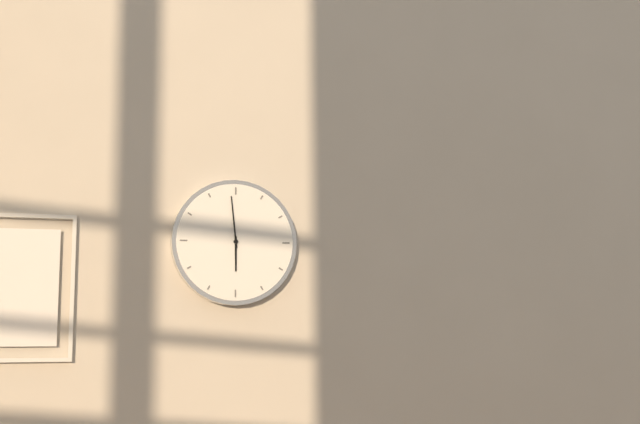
5:59
